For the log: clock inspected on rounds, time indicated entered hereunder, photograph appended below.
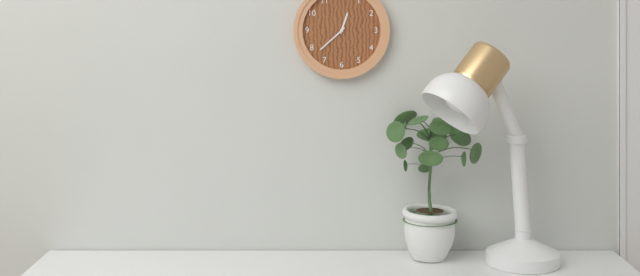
12:38
